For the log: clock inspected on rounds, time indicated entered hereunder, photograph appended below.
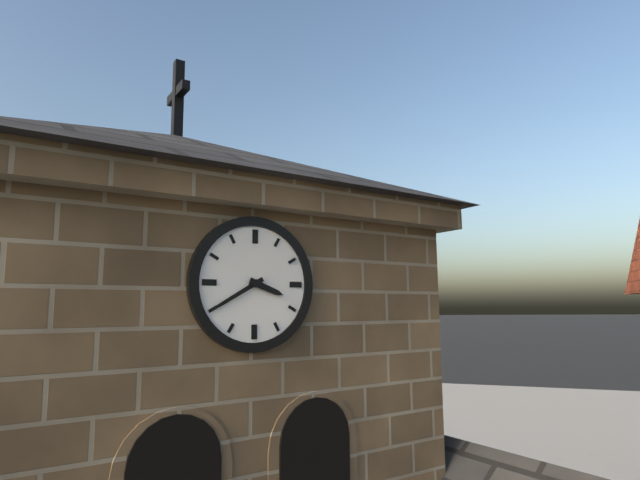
3:40
